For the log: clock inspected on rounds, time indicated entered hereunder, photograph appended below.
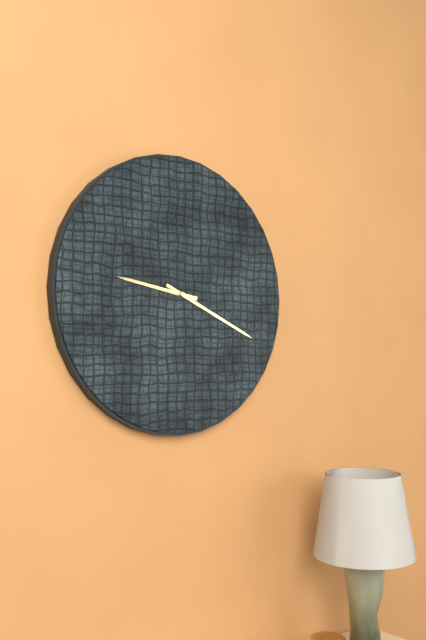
9:19
